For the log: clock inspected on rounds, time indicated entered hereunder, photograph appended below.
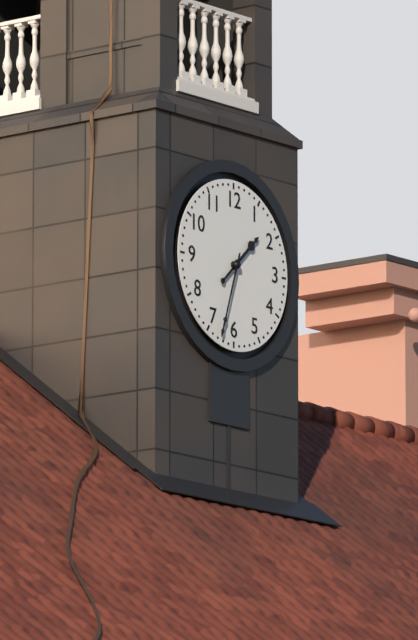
1:33
